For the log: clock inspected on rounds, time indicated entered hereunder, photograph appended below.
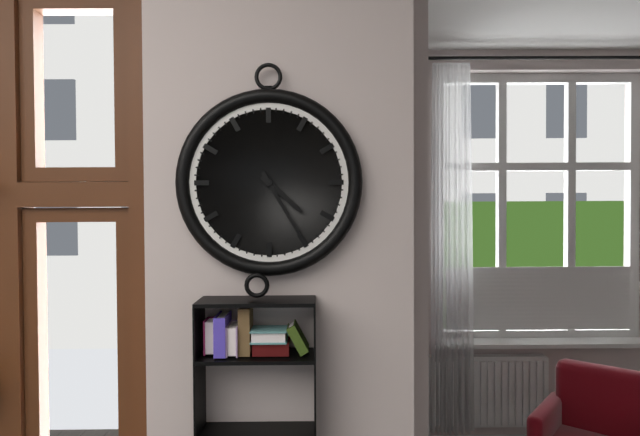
4:25
